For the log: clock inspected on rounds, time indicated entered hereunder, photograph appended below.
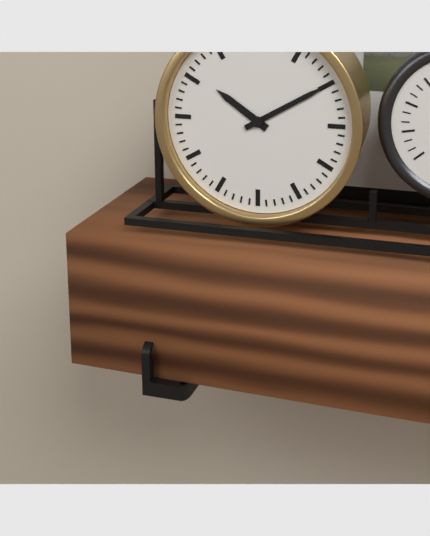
10:10
